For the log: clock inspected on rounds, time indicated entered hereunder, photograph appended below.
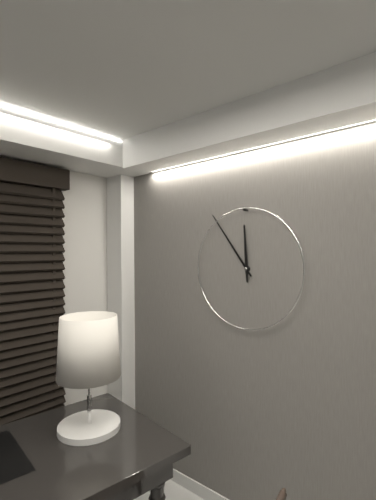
11:54
